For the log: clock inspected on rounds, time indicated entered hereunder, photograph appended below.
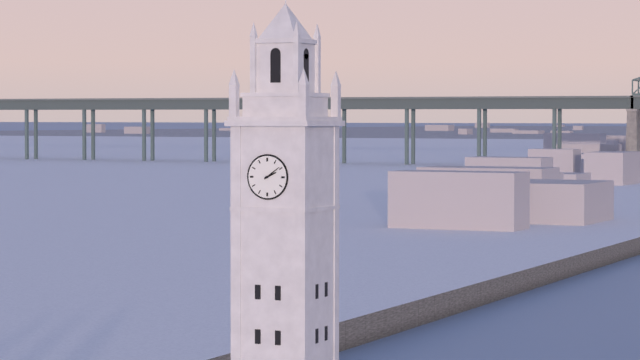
2:09
